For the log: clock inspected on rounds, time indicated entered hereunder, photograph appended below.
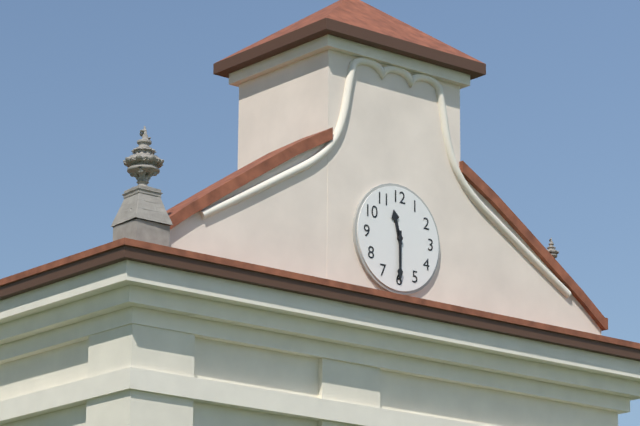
11:30
